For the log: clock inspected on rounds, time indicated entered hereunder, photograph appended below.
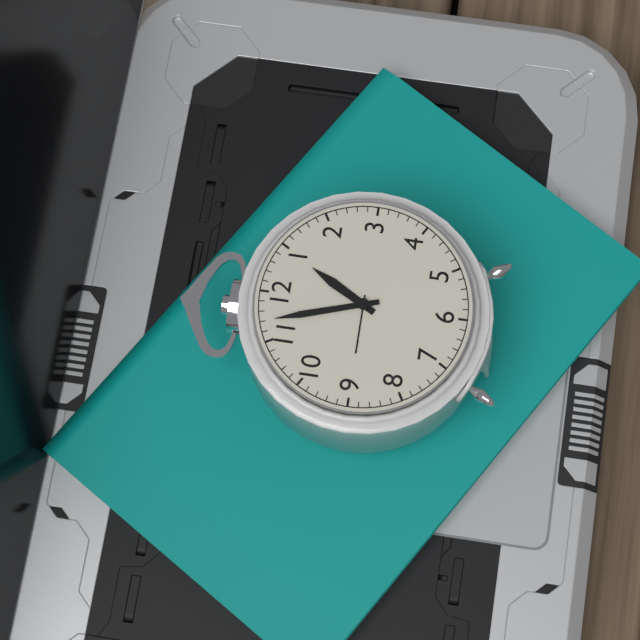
12:57
